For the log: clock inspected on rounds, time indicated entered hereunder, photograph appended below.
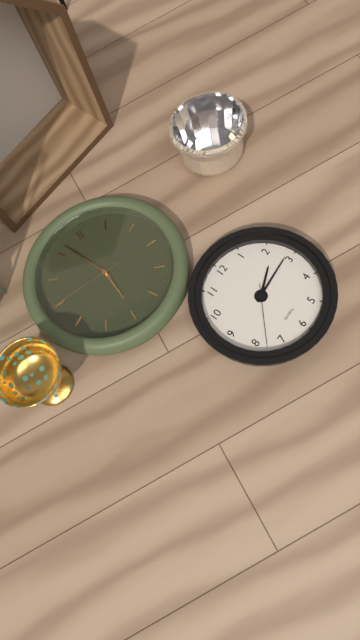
2:14:38
